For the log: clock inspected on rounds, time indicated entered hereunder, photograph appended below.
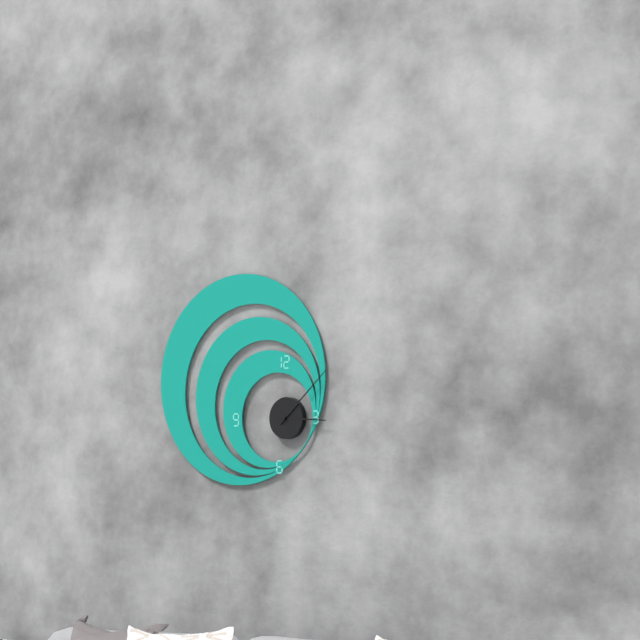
3:08
